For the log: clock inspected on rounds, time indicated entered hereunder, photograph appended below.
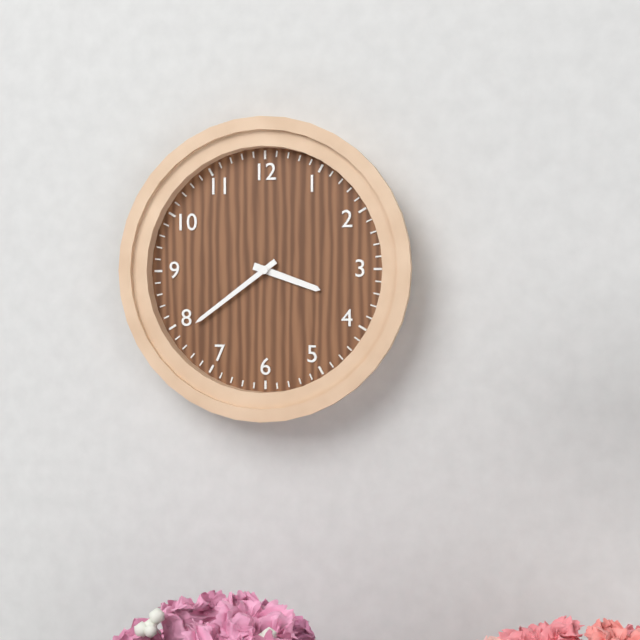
3:39
